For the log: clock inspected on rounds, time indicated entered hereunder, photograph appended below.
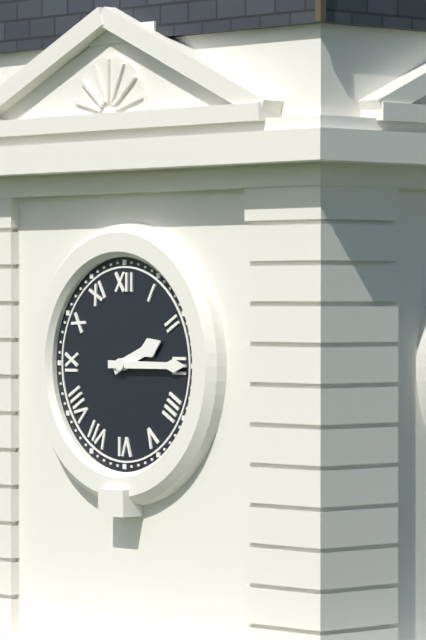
2:15
